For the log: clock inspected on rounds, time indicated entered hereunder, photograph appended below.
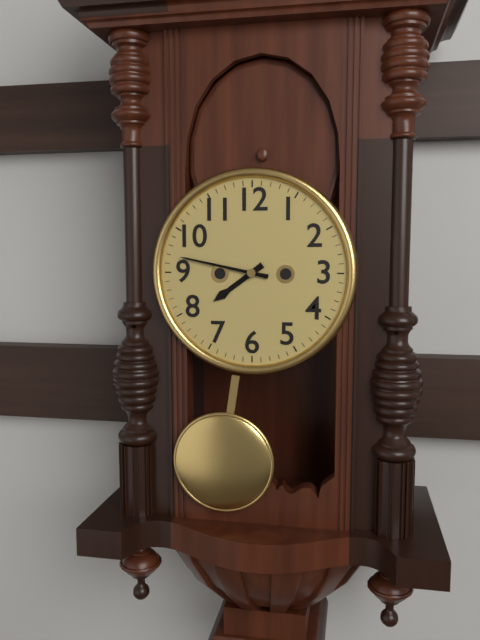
7:47
